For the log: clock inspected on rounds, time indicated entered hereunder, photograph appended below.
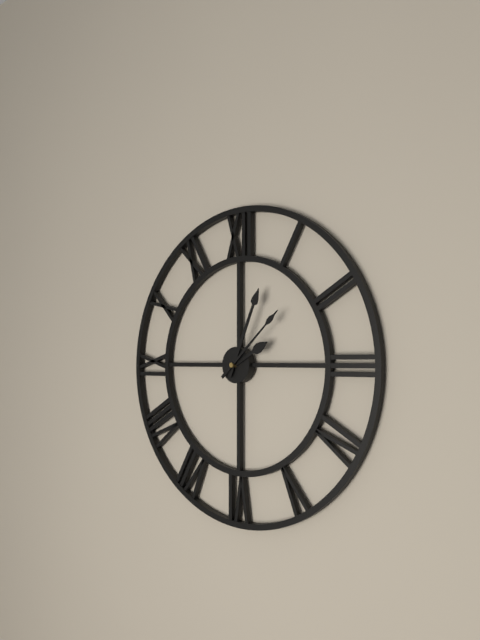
2:04:08
